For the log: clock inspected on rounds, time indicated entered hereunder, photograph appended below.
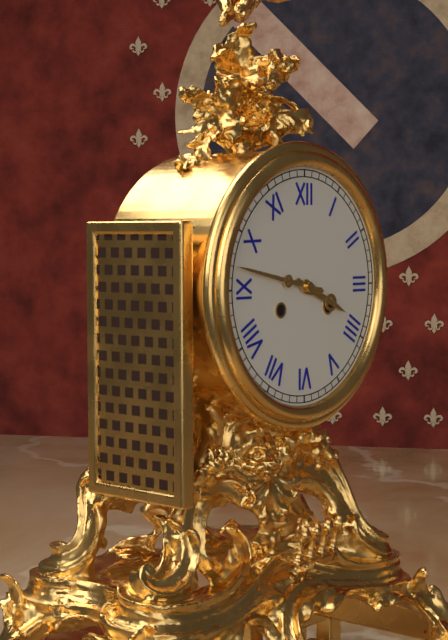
3:47
